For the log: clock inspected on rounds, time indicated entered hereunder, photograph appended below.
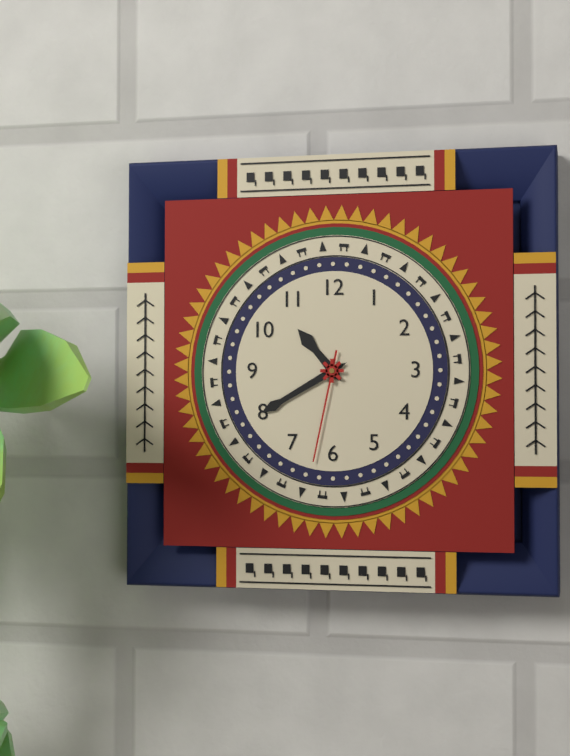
10:40:32
